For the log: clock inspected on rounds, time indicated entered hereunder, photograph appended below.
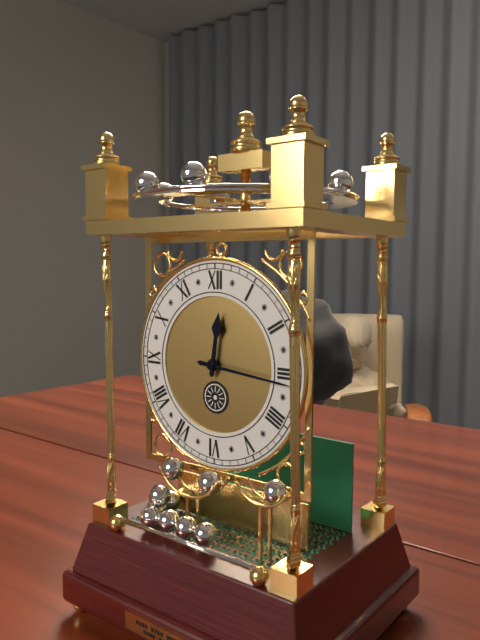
12:16
